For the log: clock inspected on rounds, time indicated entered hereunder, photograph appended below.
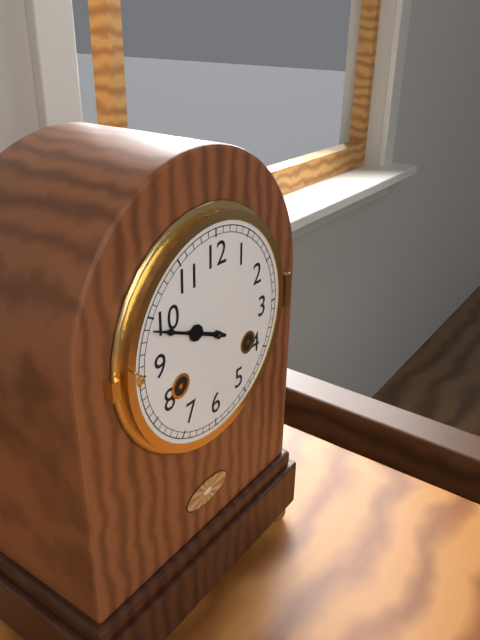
9:49
